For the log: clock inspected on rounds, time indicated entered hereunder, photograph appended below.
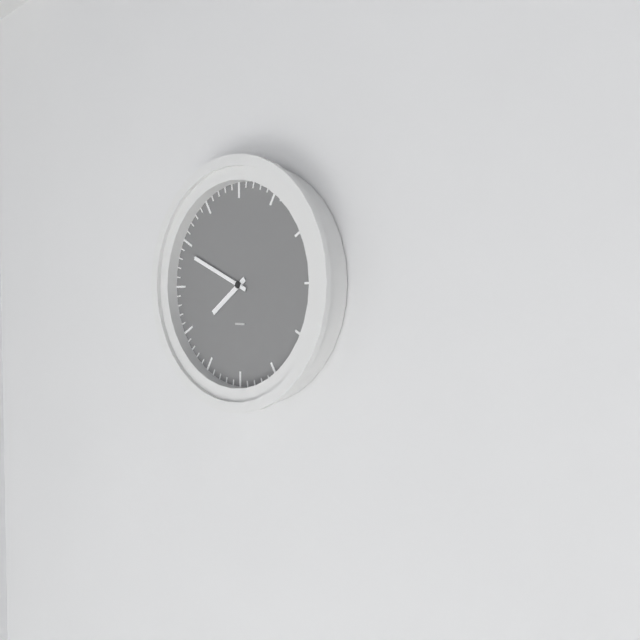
7:49
